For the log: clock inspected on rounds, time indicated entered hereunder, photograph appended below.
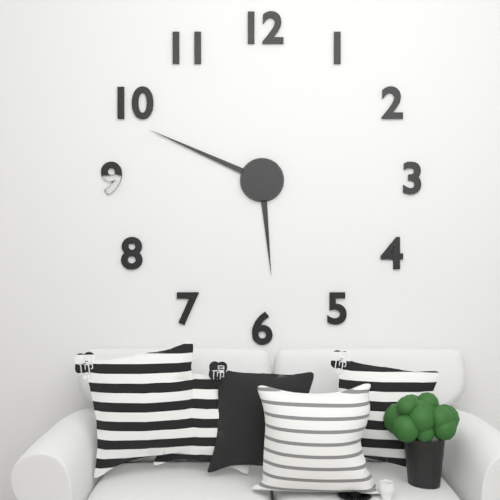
5:49
